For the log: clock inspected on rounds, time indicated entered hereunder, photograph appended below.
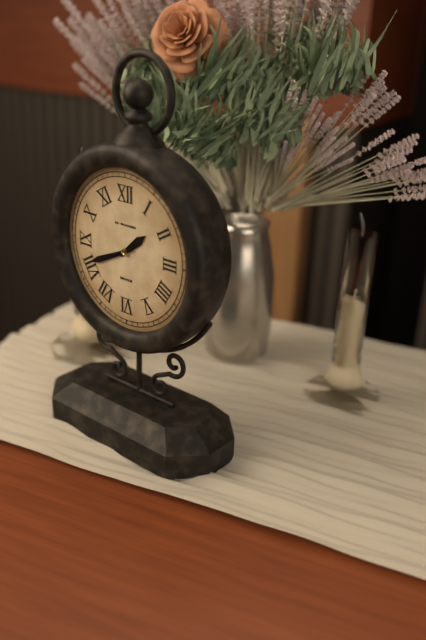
1:41
